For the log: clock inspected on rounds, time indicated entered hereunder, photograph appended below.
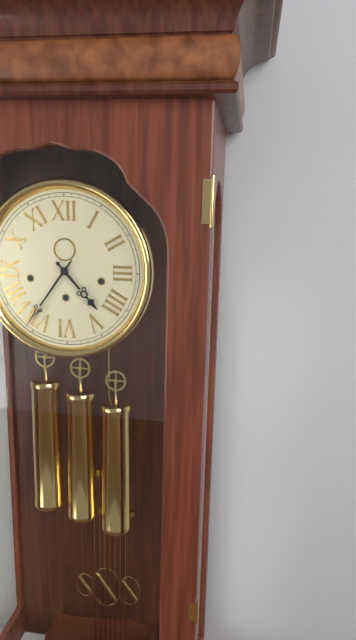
4:36
